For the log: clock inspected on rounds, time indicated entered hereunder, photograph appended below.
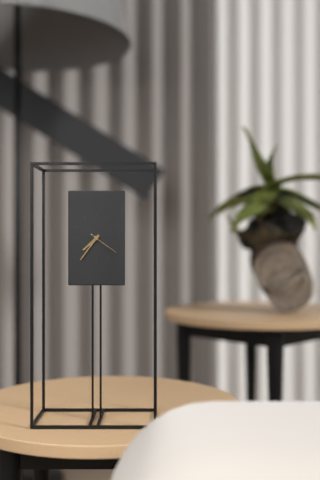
7:36
